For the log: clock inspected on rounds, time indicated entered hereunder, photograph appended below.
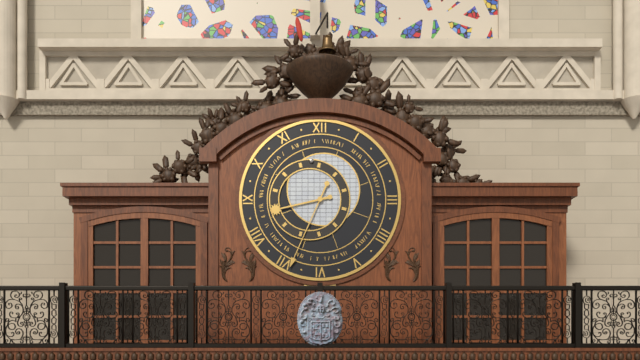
8:34
